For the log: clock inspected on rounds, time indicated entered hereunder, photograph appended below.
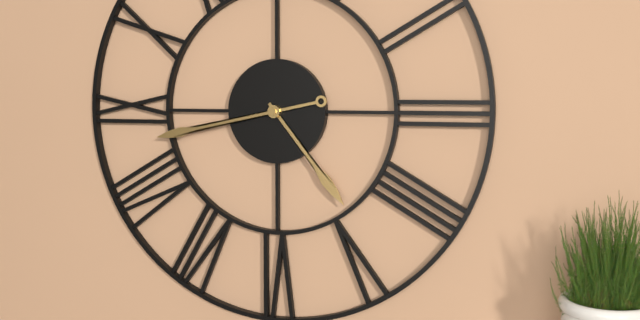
4:43
